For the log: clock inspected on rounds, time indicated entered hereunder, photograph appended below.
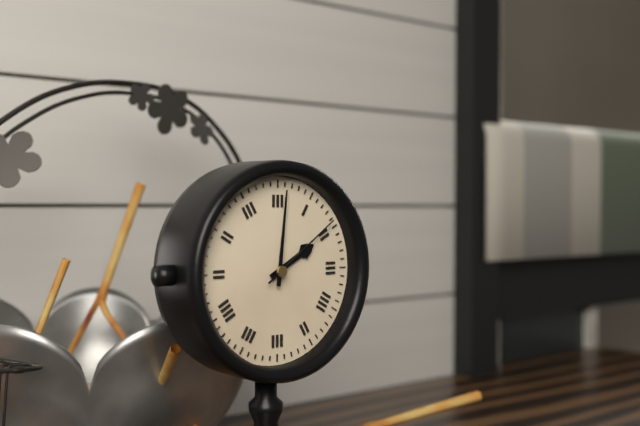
2:01:09
